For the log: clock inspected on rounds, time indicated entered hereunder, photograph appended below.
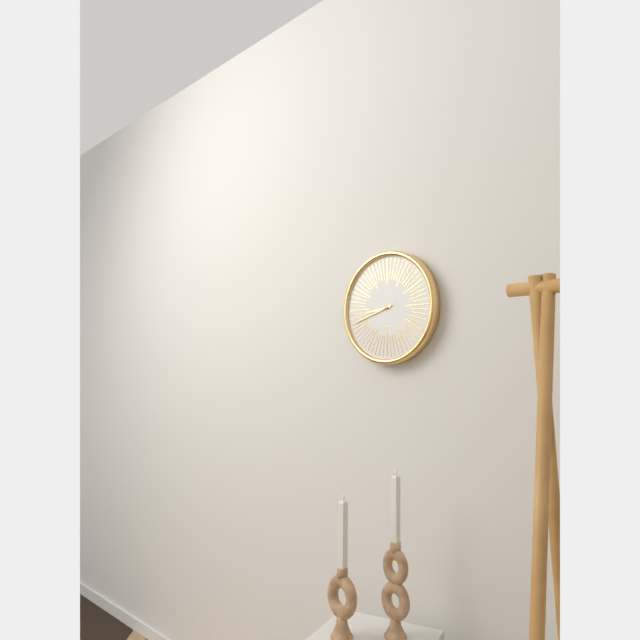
8:42
